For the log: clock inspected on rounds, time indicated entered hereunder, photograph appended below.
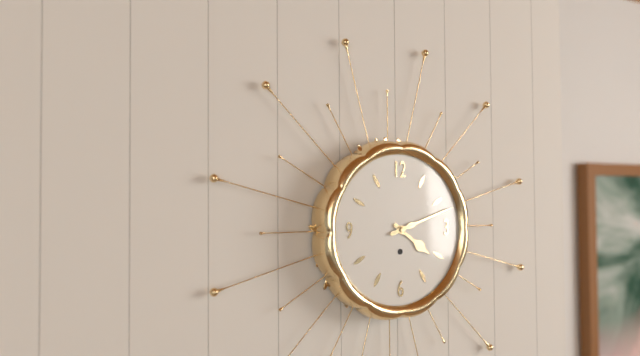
4:12
